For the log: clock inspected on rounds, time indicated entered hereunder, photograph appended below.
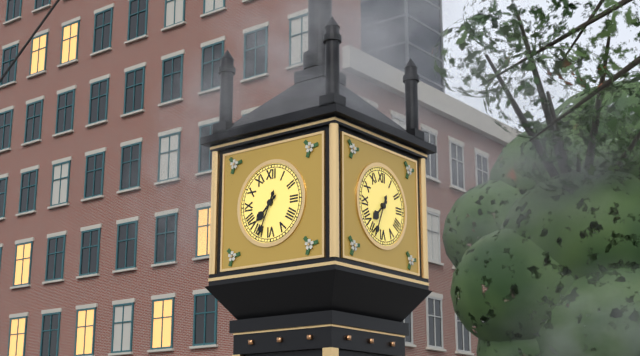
7:34
